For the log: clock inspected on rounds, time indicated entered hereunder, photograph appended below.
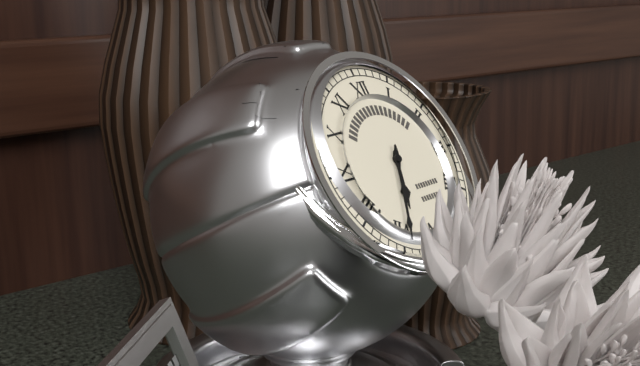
6:34
